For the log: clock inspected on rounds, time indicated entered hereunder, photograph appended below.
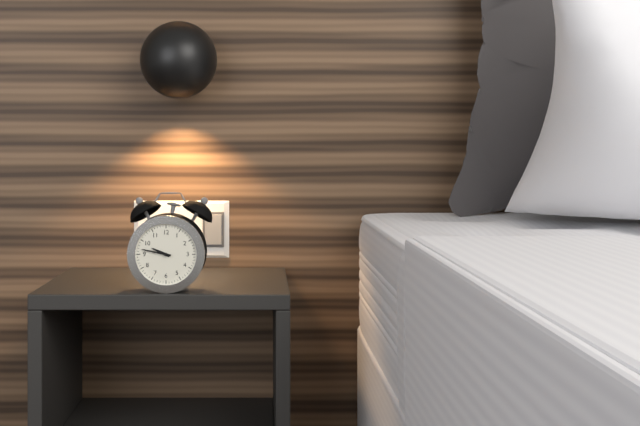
9:47
